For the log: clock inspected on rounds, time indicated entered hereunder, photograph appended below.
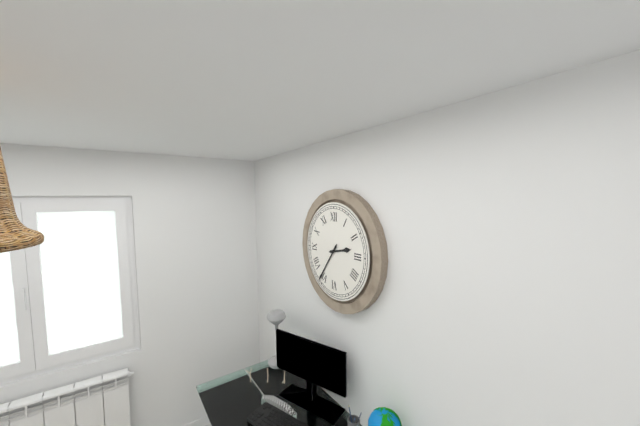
2:36
